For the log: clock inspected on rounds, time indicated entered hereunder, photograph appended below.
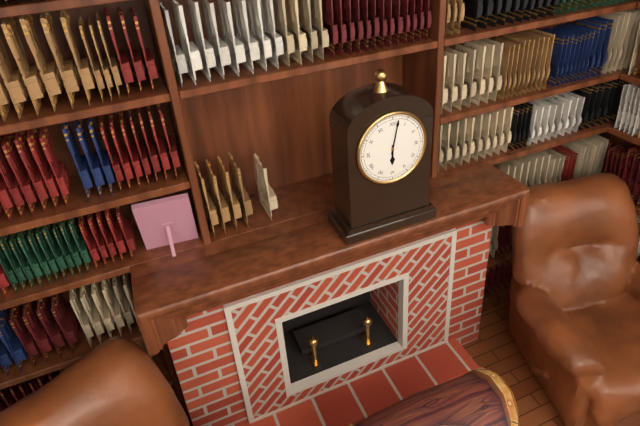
6:02
